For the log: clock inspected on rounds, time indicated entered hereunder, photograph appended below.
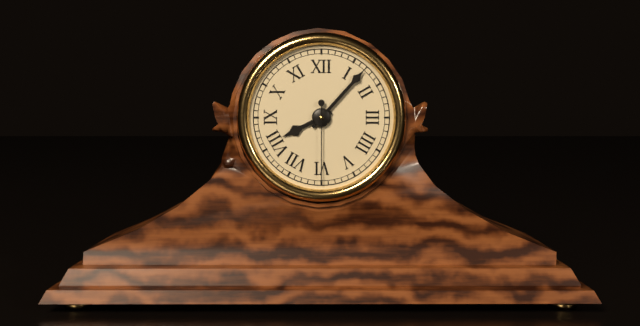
8:07:30
